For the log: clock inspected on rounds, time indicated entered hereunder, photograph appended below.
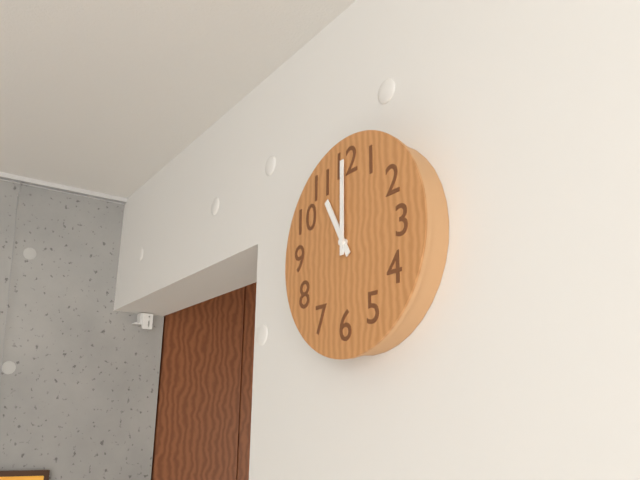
11:00
